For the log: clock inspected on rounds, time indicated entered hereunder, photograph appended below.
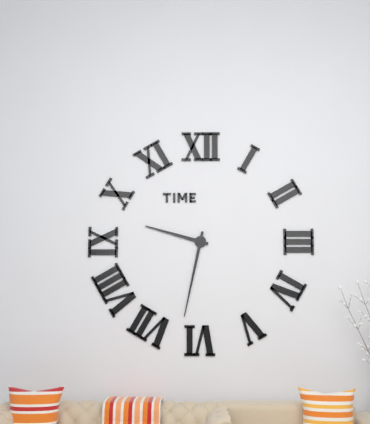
9:32
